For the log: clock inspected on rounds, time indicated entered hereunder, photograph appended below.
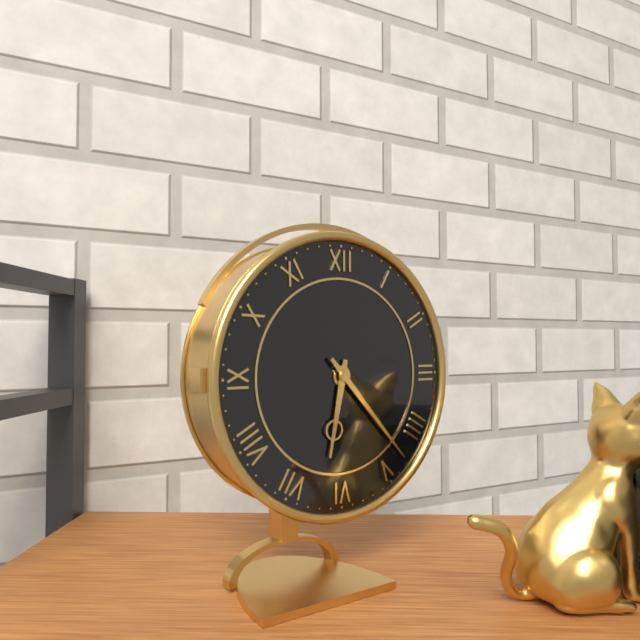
6:23
